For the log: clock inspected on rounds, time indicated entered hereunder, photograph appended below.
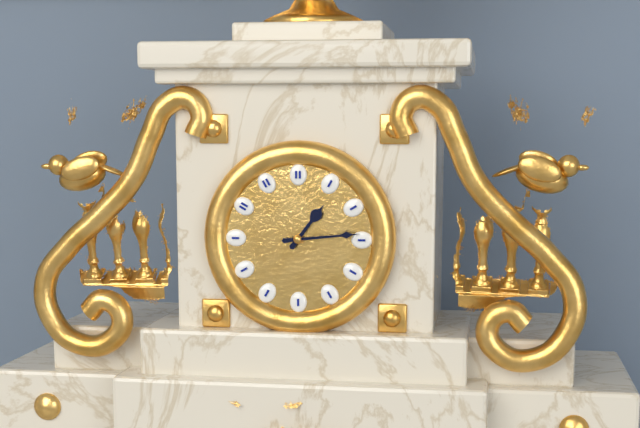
1:14
